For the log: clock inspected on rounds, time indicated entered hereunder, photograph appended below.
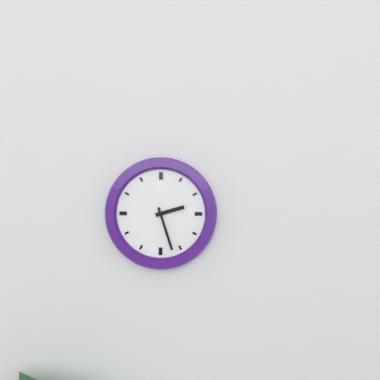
2:27
